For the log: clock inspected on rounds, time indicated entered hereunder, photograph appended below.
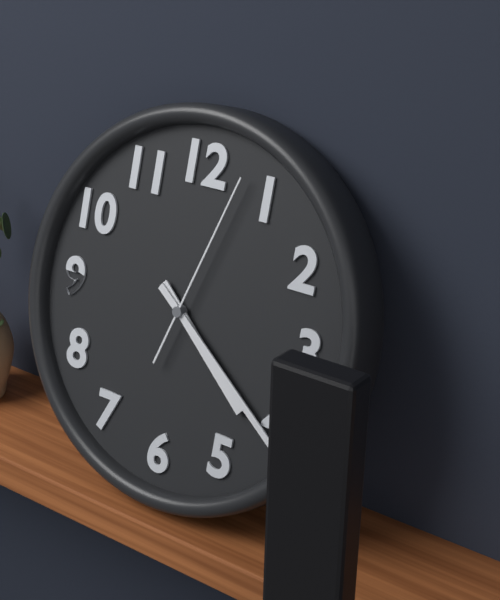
4:21:03
